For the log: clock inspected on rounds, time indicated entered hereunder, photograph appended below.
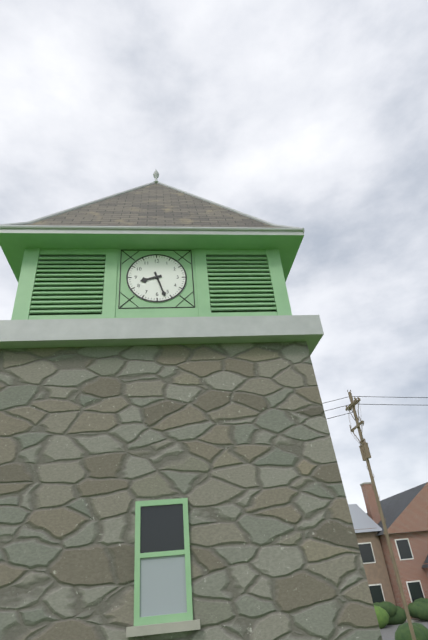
8:27
